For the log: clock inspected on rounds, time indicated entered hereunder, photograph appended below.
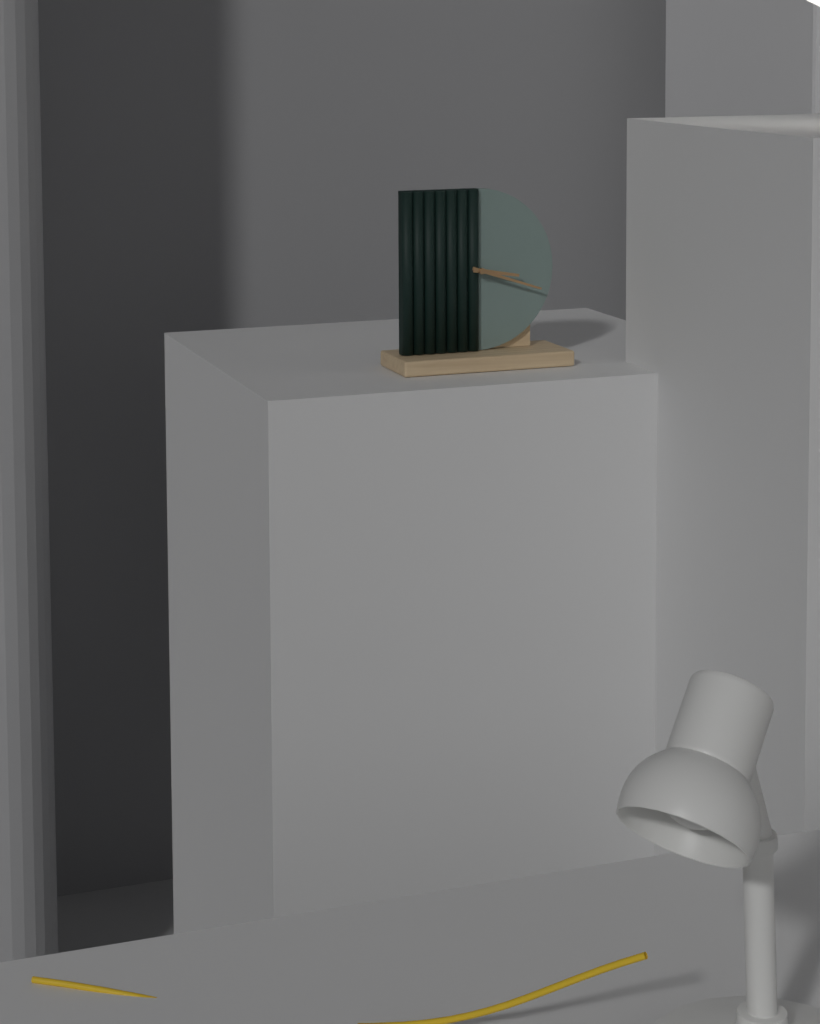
3:18
